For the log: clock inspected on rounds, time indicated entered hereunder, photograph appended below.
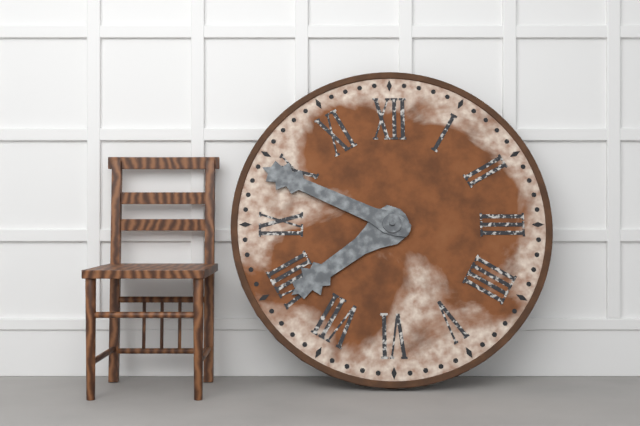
7:49
